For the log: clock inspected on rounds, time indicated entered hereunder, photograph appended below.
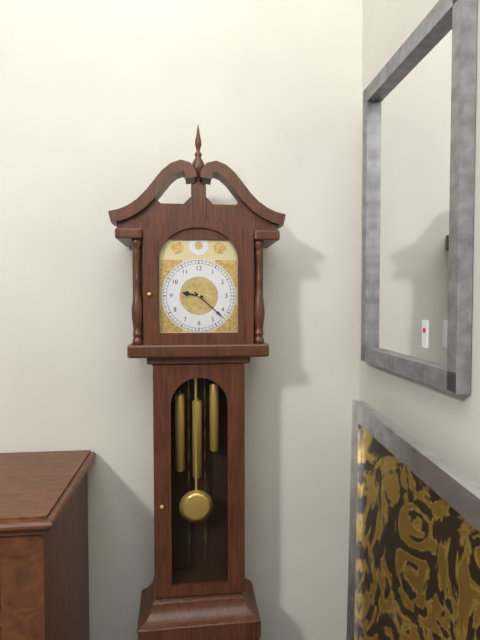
9:22
